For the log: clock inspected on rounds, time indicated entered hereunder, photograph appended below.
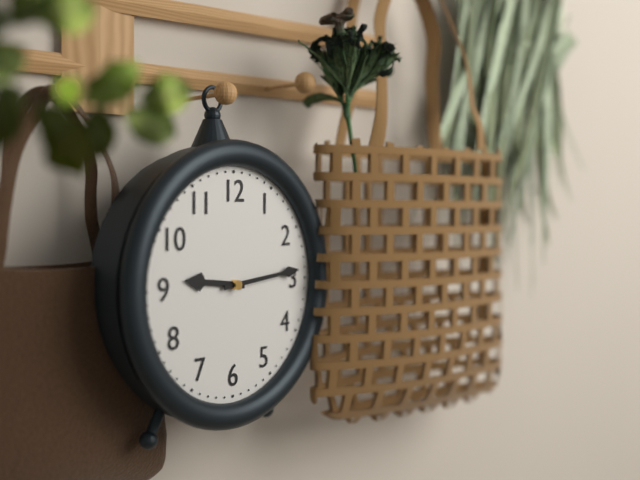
9:14
